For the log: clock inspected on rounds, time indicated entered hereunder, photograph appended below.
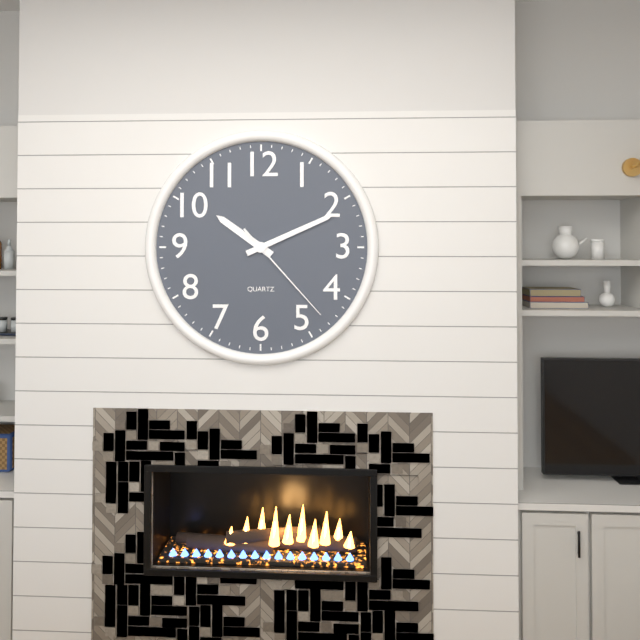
10:11:23
